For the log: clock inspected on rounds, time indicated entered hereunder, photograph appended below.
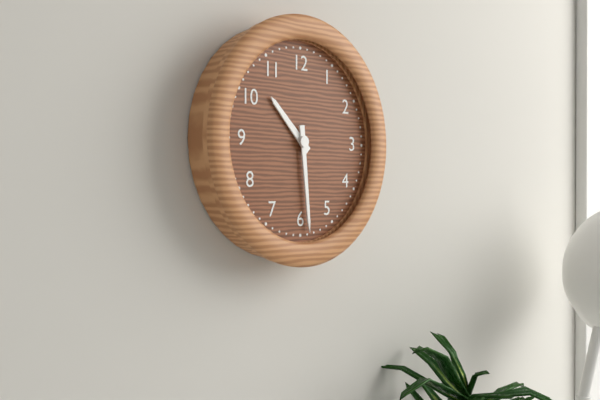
10:29
